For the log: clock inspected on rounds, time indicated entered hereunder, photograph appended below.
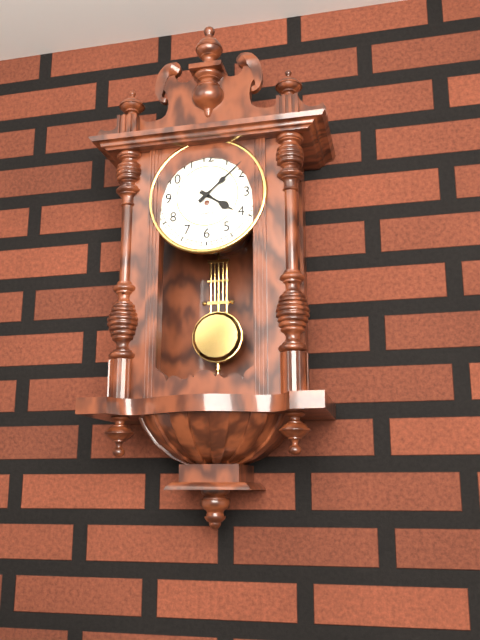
4:08
